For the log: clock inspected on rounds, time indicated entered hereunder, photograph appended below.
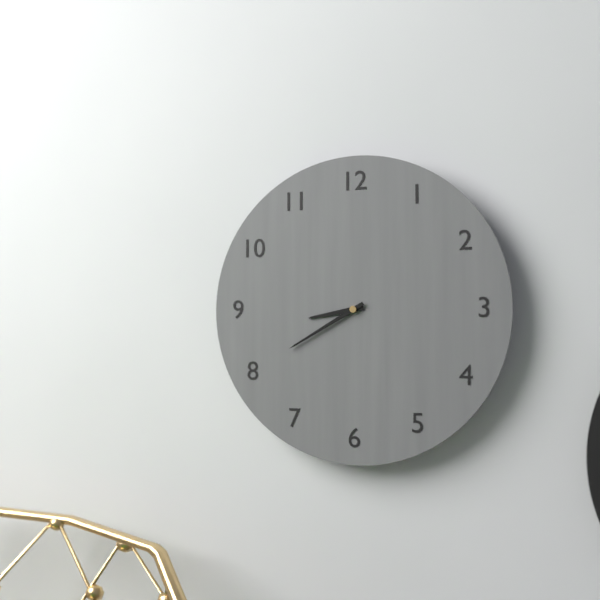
8:40
